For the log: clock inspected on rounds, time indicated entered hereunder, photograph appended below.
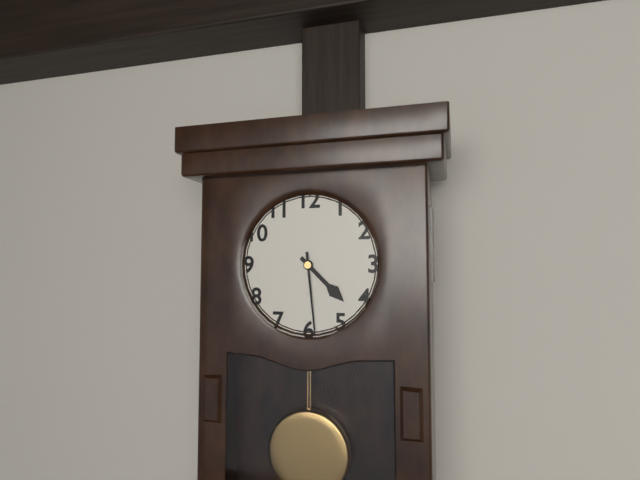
4:29
